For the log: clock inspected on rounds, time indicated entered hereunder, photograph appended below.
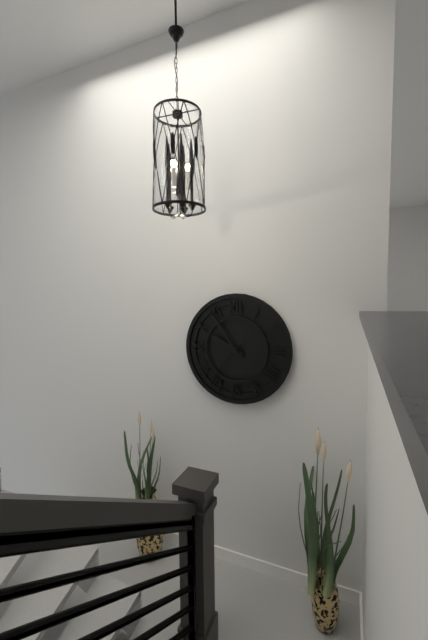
9:54:37
